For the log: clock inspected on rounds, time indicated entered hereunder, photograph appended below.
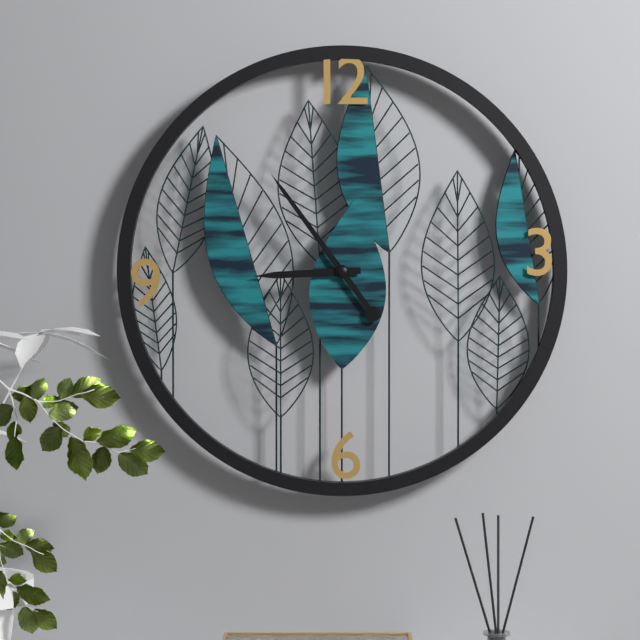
8:54
